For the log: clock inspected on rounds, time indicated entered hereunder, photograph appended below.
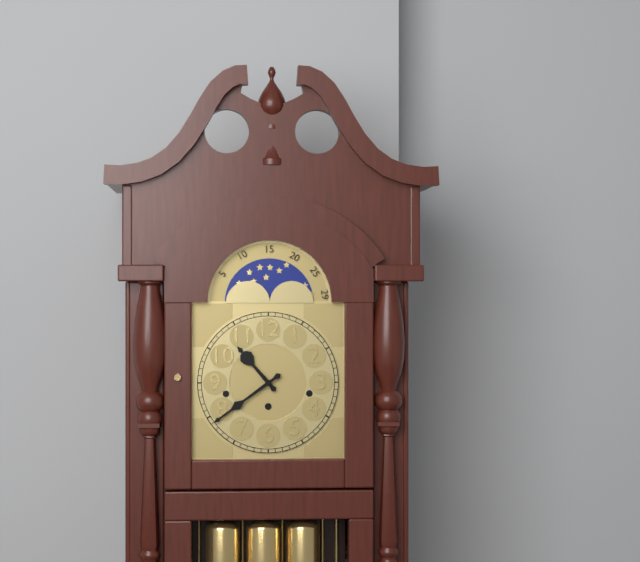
10:39
